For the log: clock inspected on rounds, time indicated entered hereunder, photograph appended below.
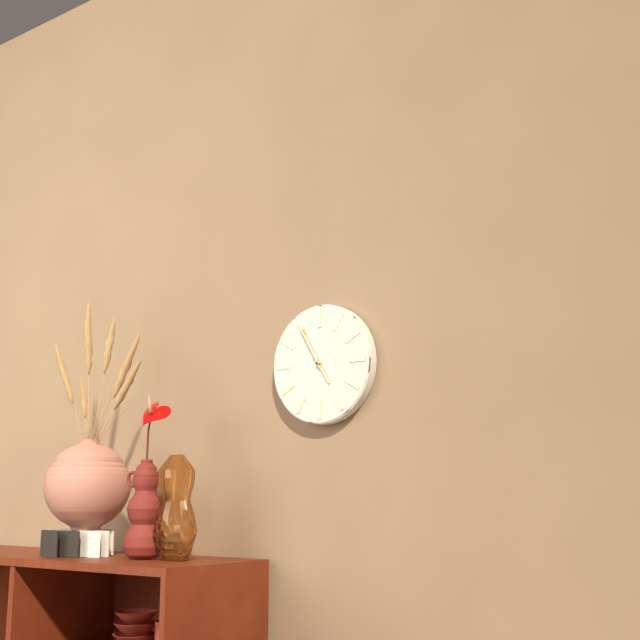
4:55
